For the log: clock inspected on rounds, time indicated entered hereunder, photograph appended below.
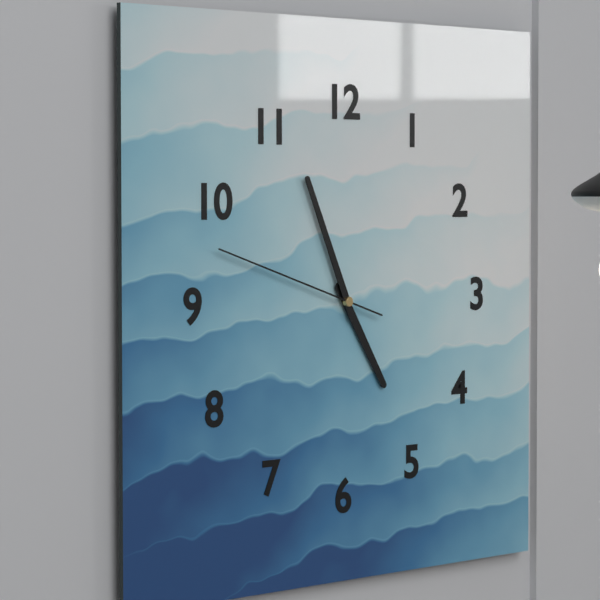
4:56:48
